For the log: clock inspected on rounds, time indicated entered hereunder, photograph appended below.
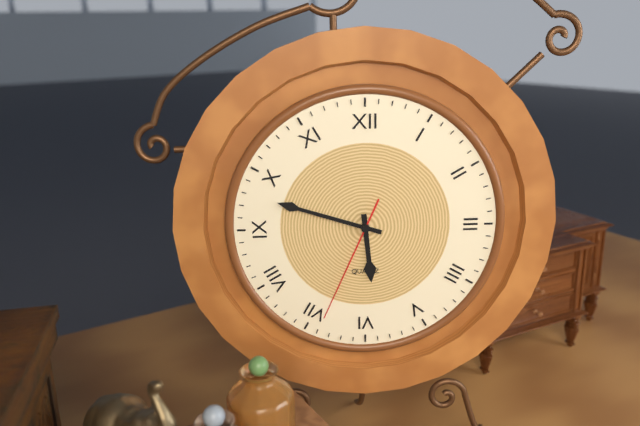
5:48:34
